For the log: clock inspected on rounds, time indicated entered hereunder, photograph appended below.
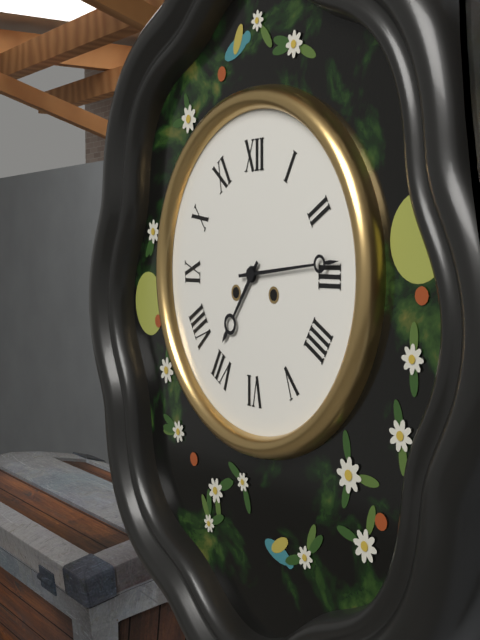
7:14
